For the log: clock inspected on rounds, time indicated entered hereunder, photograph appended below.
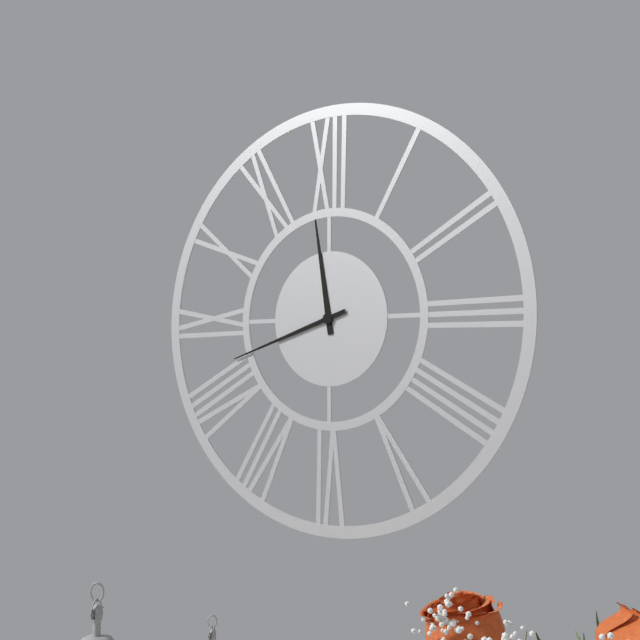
11:42
